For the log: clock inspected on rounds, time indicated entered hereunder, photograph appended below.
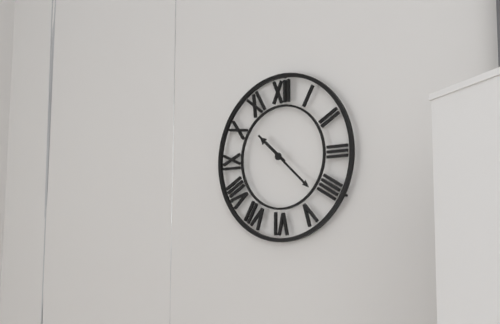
10:22
